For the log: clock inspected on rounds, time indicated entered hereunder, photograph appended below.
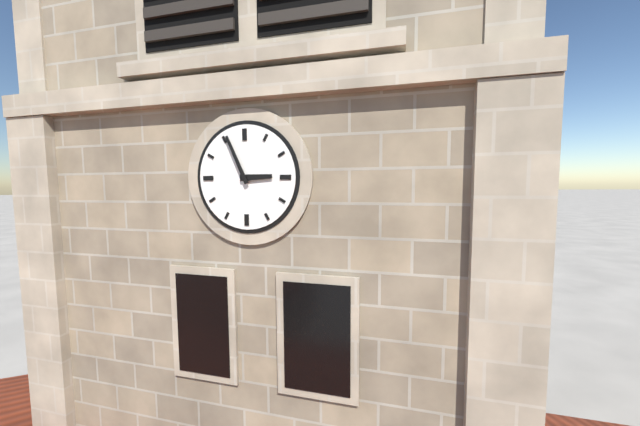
2:56
